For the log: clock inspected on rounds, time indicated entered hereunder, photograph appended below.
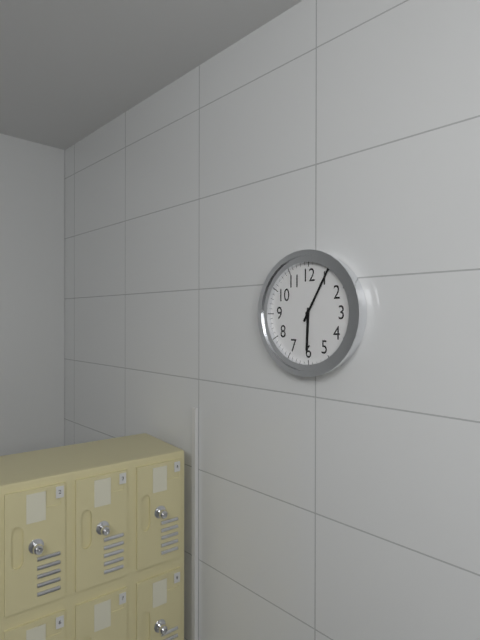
6:05
